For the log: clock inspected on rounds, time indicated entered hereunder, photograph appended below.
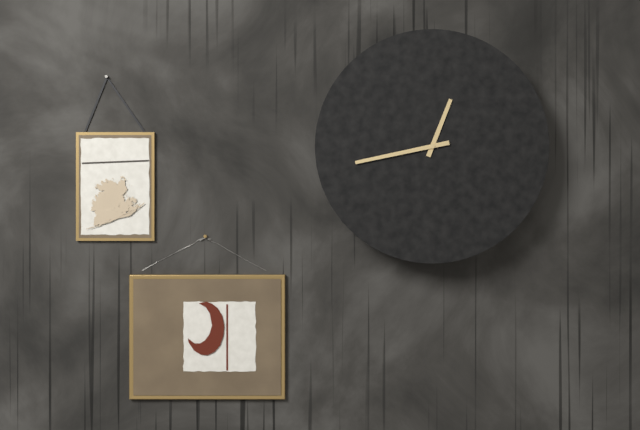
12:43
